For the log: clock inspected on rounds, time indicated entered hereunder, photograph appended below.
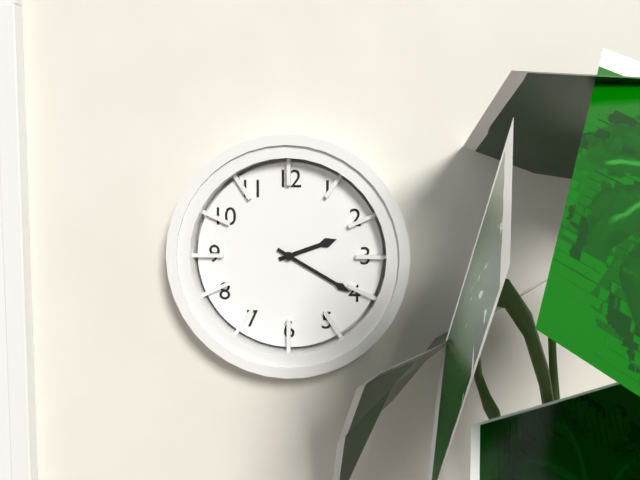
2:20
